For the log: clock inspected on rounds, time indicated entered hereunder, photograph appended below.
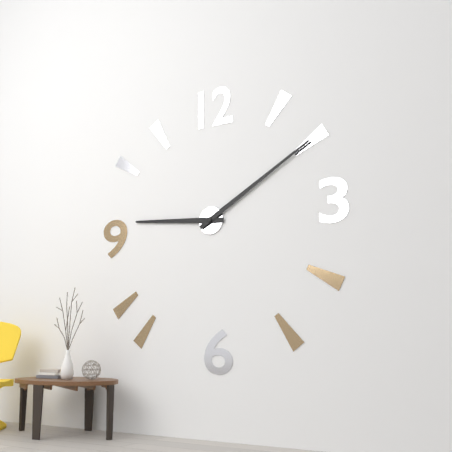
9:10
